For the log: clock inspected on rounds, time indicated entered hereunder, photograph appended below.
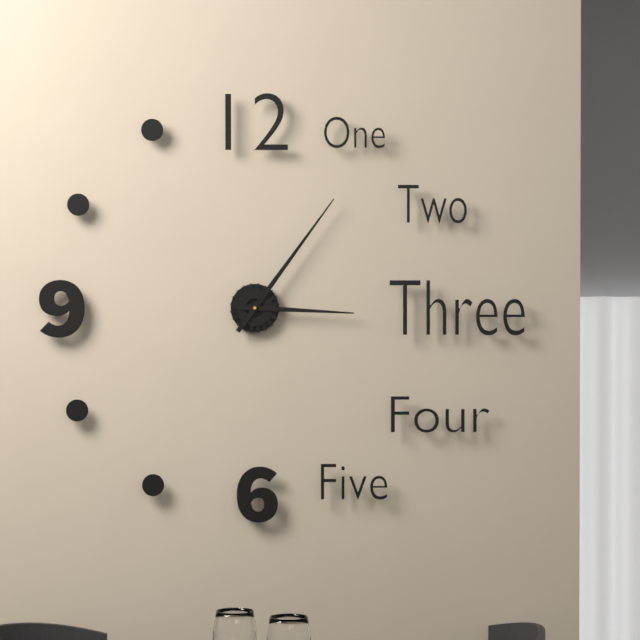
3:06
